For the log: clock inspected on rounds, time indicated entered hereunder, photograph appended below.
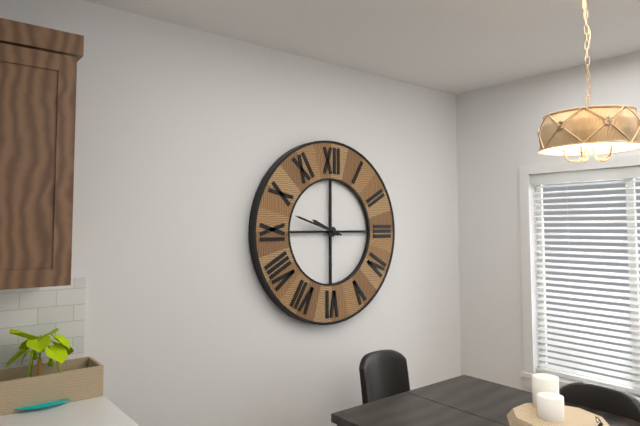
9:48
